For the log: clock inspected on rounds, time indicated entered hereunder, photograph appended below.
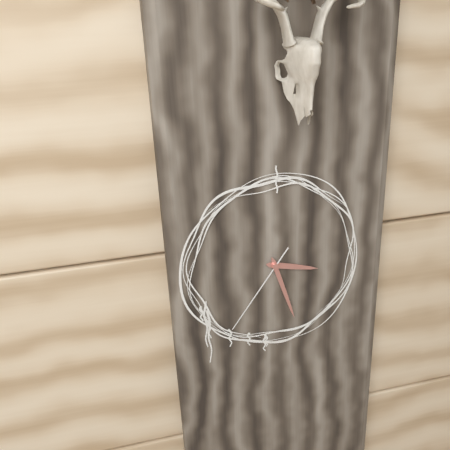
3:27:36
